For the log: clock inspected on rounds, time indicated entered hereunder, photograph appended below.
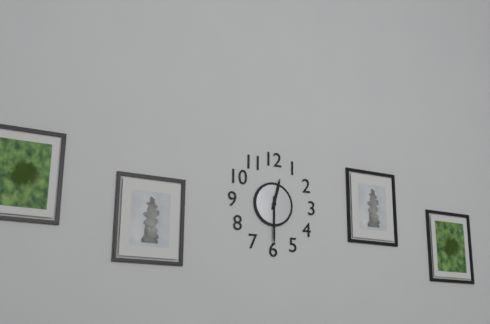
12:30
